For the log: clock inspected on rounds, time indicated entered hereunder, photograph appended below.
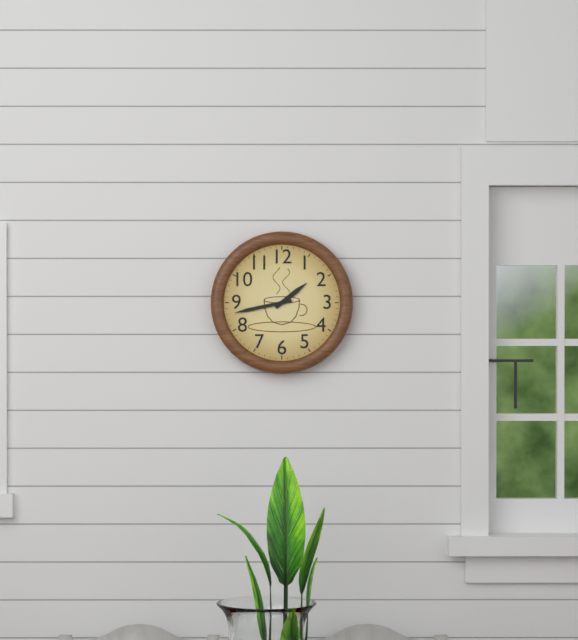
1:43
